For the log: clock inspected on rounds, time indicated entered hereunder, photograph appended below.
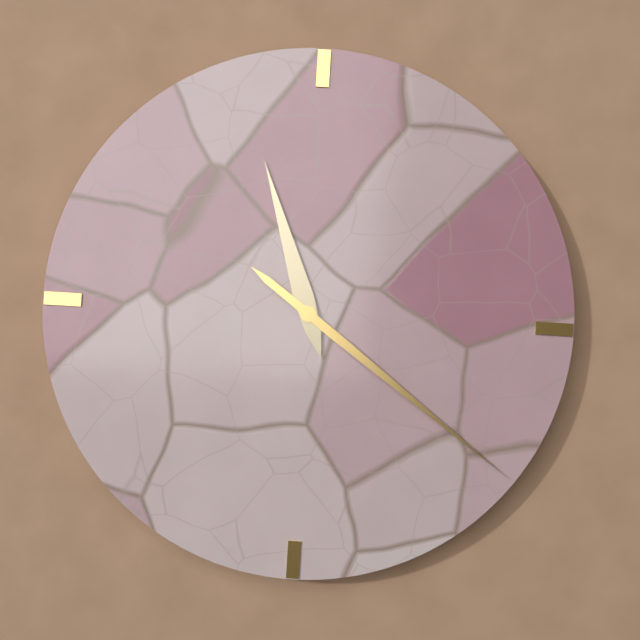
11:21
